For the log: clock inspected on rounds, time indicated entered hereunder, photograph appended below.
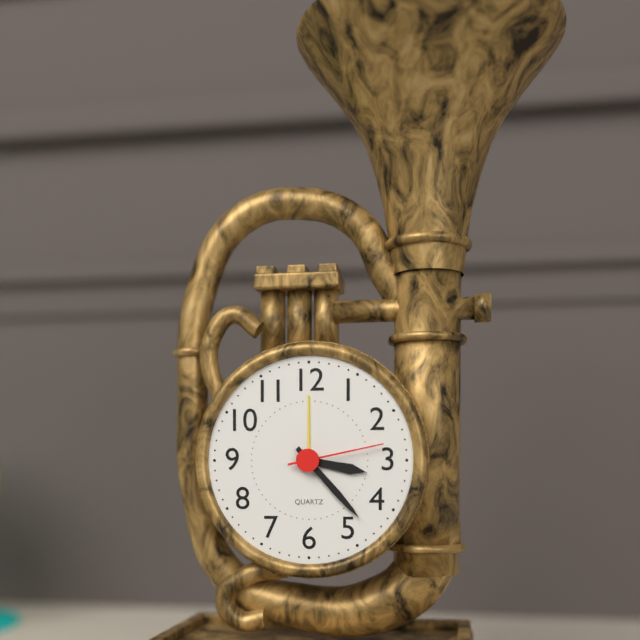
3:23:13
